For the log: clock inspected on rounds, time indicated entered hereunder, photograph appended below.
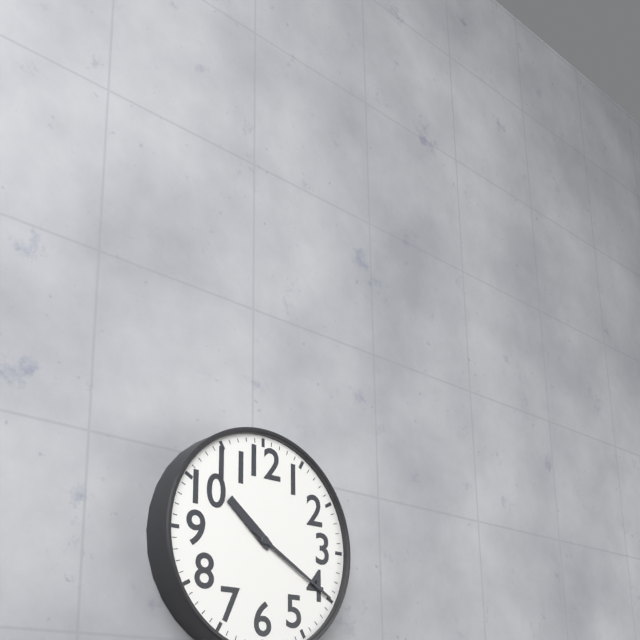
10:20
